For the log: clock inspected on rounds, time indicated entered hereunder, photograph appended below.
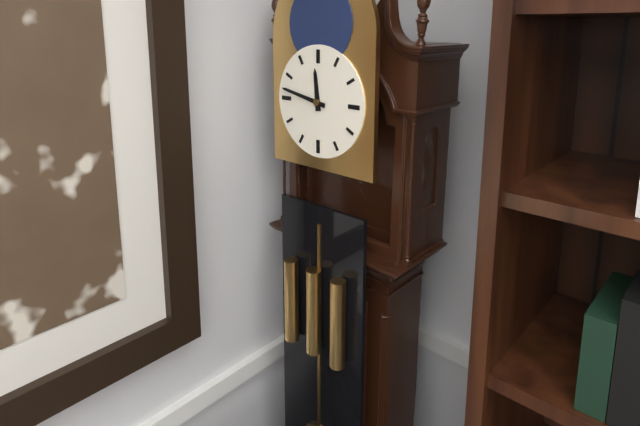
11:47
